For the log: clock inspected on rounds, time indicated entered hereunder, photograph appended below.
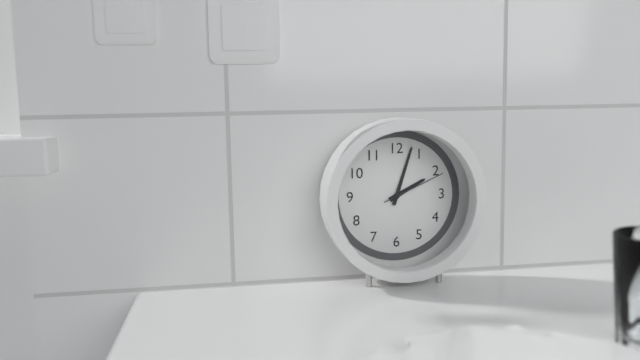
2:03:11
